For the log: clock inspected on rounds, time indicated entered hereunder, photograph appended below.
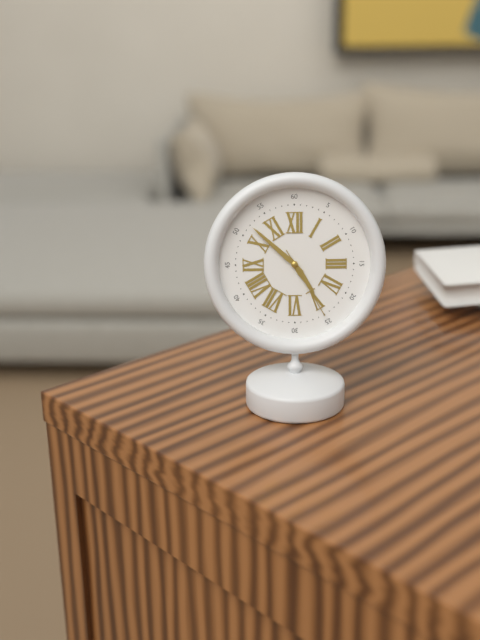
4:52:25
